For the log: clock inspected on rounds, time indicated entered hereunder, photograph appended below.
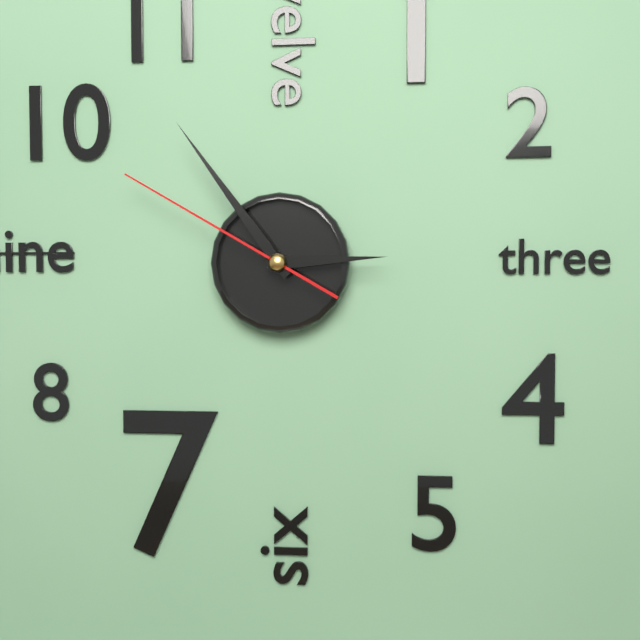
2:54:50
